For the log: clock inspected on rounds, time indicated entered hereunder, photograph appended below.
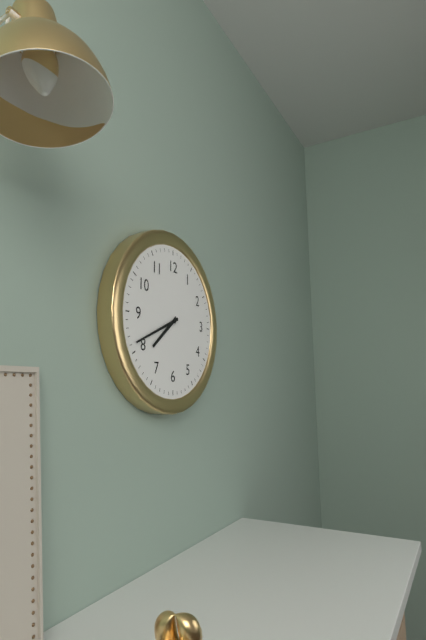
7:41
